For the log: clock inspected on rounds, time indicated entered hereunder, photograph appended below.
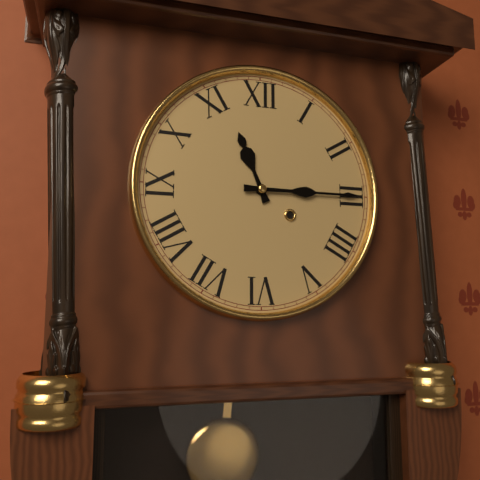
11:15
